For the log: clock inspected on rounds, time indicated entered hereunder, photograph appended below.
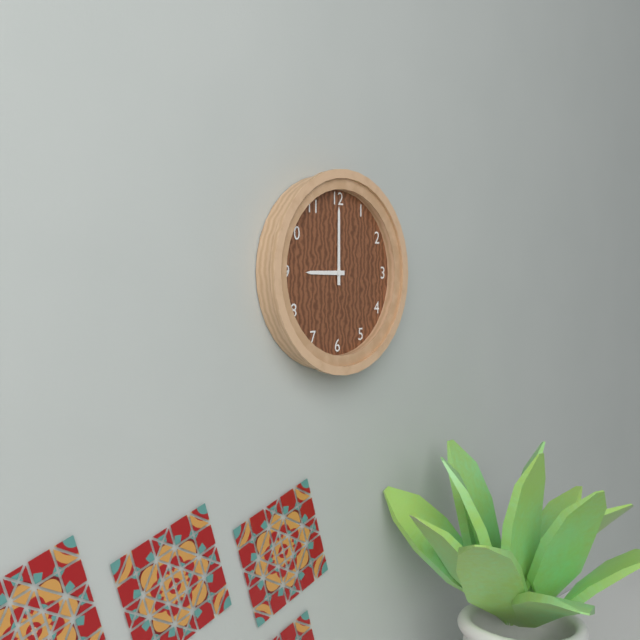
9:00
